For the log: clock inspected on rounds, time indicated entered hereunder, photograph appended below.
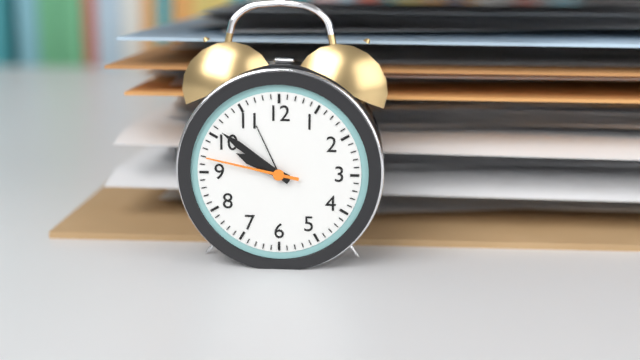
9:51:47
